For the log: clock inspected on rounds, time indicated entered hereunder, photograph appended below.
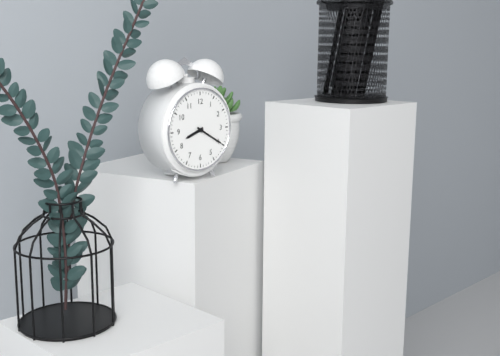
8:20
